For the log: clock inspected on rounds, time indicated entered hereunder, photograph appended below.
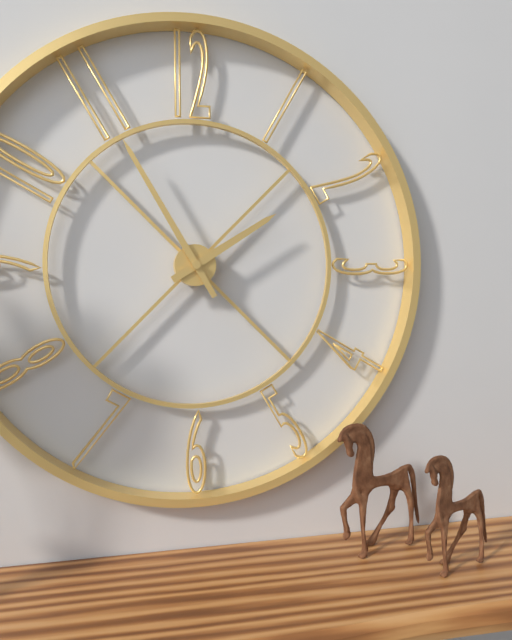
1:55
